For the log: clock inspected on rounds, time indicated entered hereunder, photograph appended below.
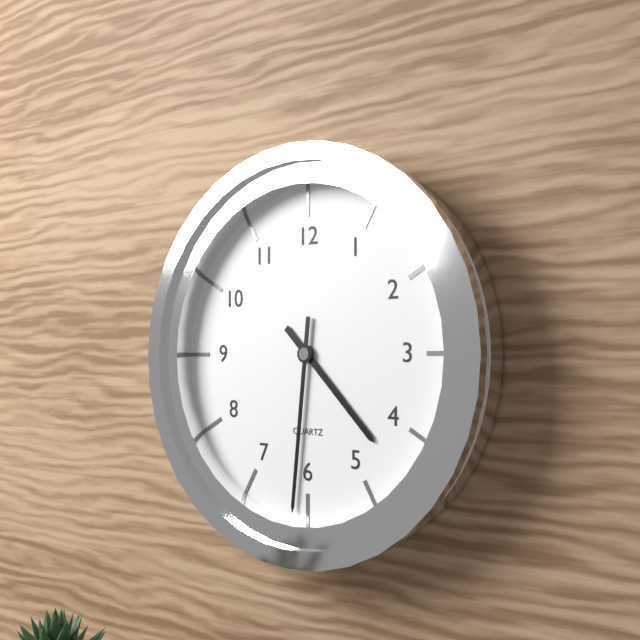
4:31
